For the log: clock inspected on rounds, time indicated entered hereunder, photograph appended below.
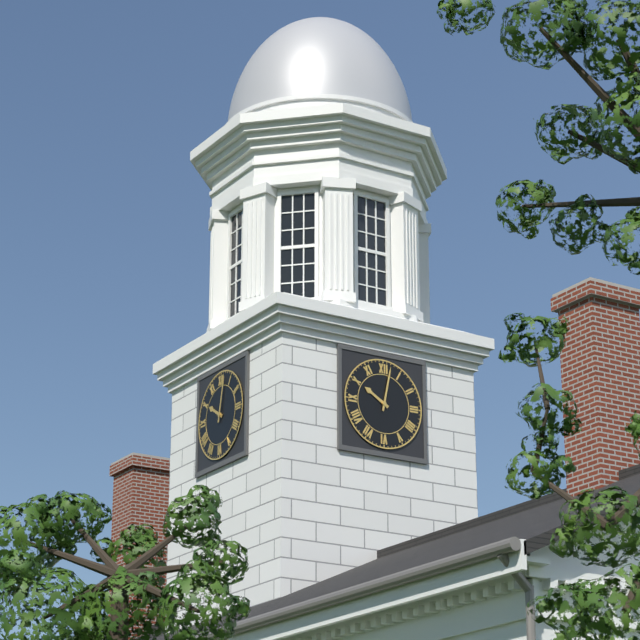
10:02
